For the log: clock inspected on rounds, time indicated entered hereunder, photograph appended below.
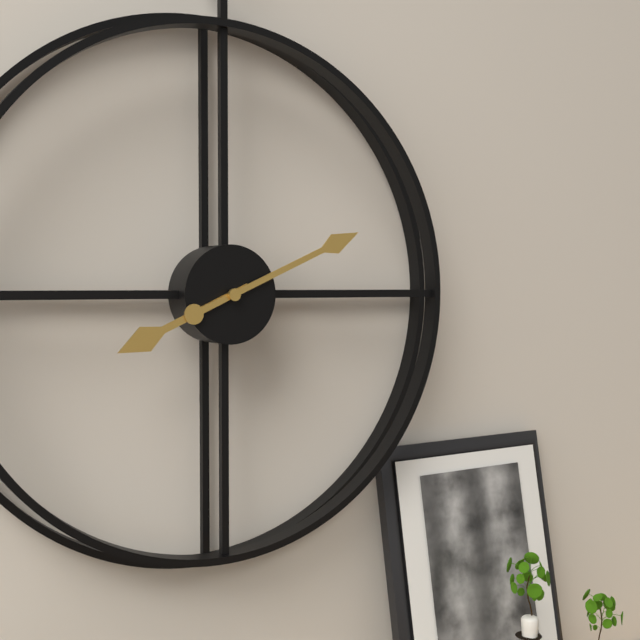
8:11
